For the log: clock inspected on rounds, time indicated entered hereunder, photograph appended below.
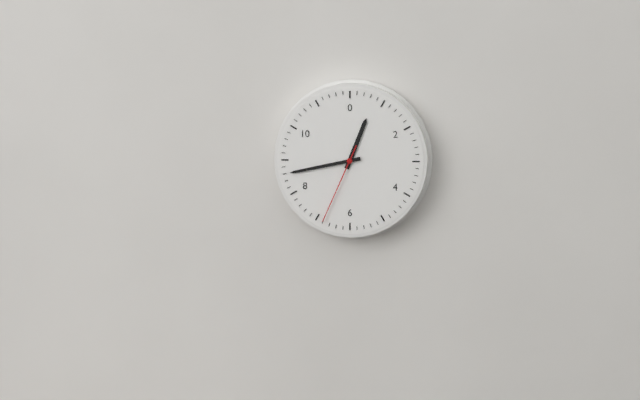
12:43:34
